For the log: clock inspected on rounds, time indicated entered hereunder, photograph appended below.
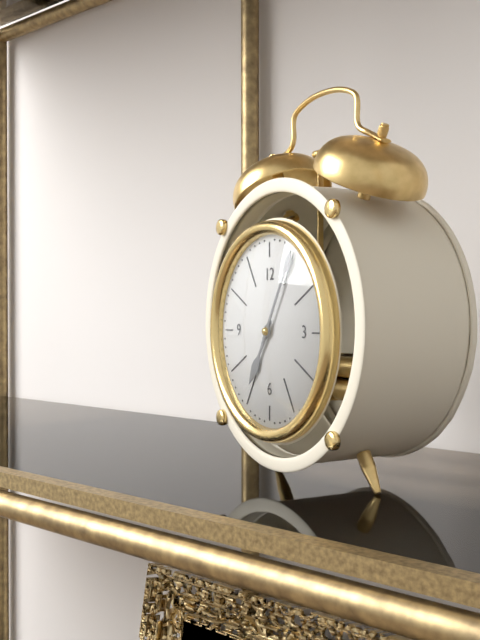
7:05
